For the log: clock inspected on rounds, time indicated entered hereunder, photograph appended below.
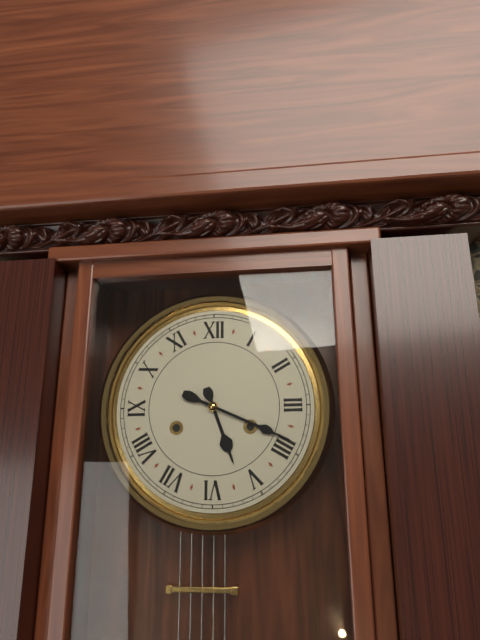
5:19
